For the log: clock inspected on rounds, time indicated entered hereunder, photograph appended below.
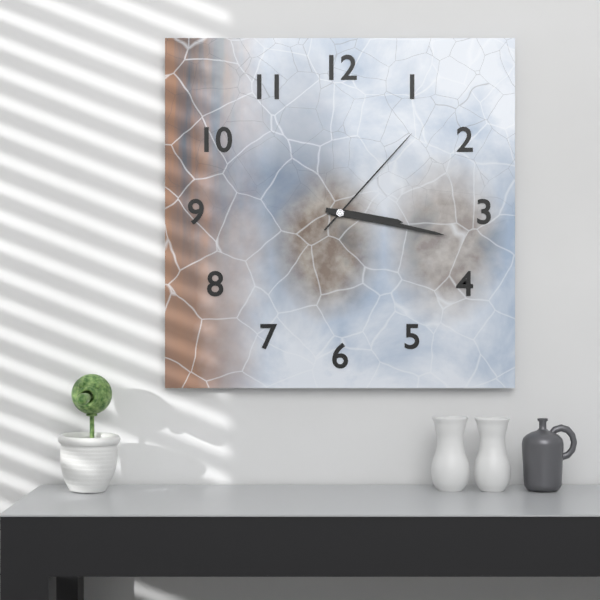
3:17:07
